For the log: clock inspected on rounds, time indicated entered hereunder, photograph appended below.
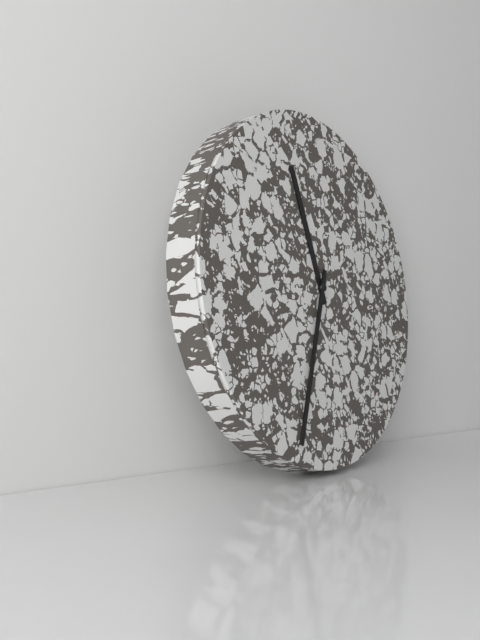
11:34
